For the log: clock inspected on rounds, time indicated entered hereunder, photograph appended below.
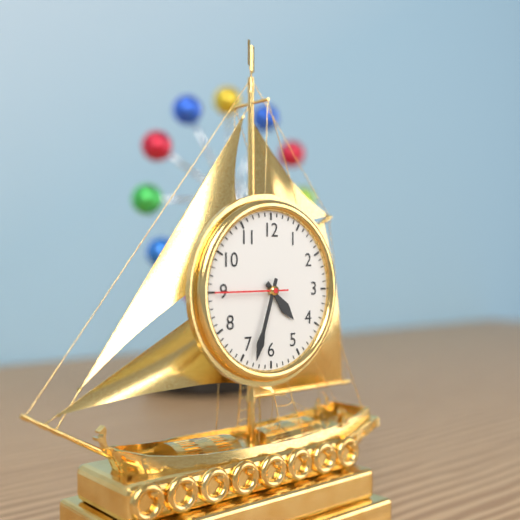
4:33:45
